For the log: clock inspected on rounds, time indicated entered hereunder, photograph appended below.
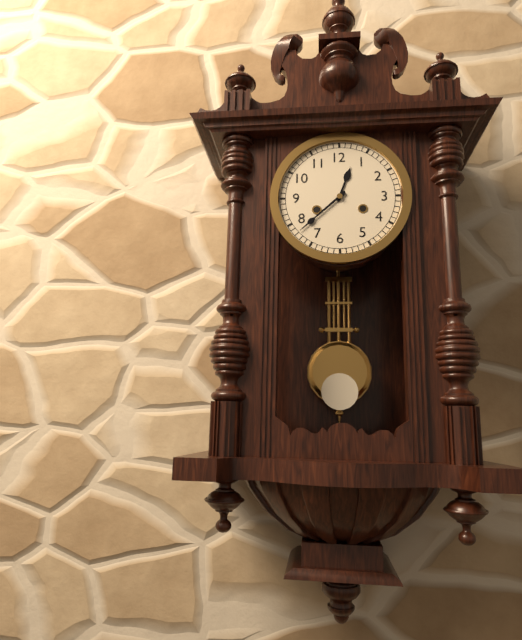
12:38
